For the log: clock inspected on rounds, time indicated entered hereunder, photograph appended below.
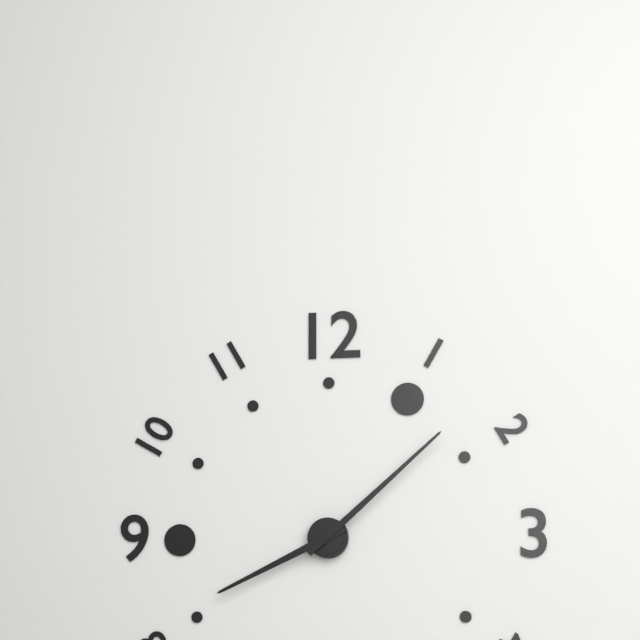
8:08
